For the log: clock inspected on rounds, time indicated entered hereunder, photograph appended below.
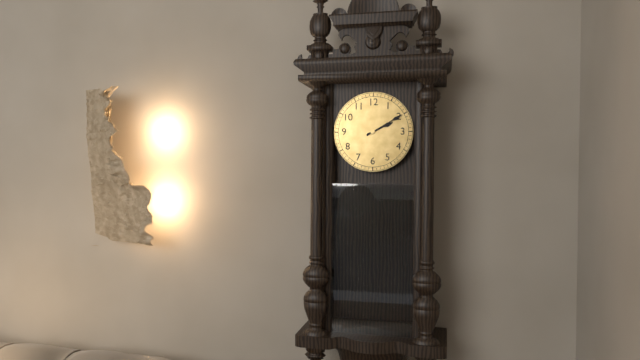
2:10
